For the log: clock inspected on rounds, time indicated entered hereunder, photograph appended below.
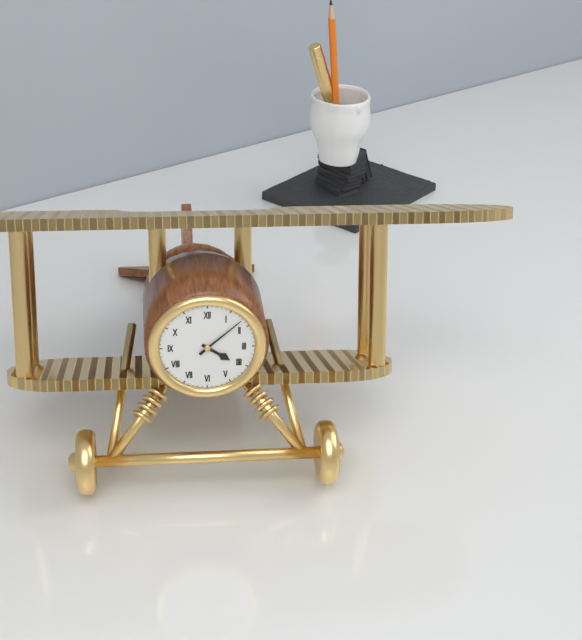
4:08
